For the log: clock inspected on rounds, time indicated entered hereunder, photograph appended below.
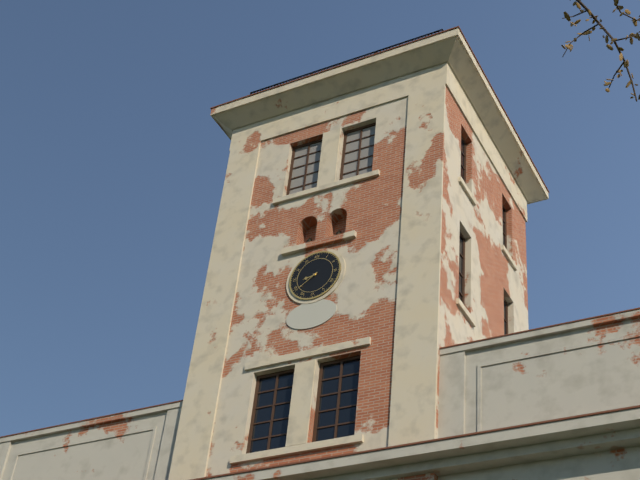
8:39
